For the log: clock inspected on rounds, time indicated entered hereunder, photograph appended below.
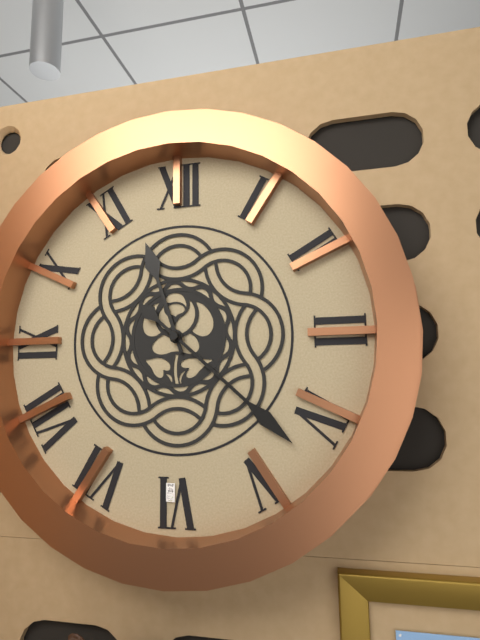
11:22
